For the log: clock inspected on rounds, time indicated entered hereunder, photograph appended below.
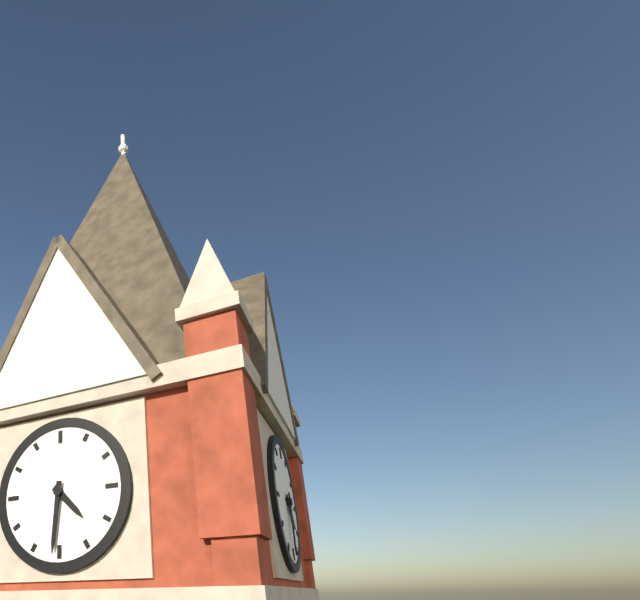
4:31
